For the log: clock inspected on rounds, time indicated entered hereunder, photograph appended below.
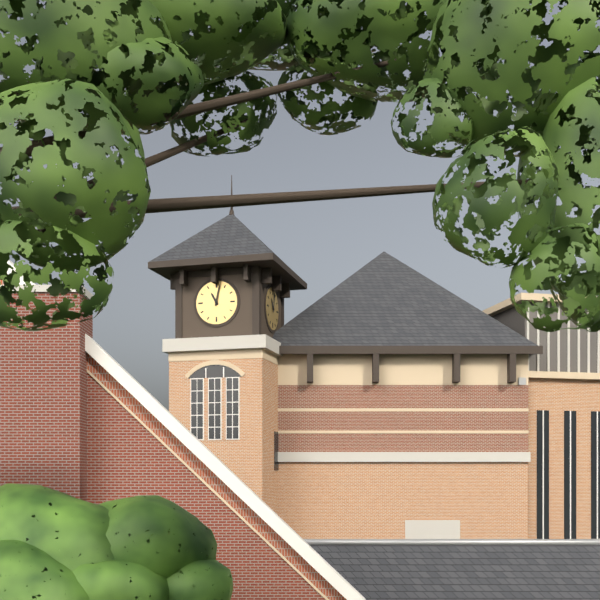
11:02
